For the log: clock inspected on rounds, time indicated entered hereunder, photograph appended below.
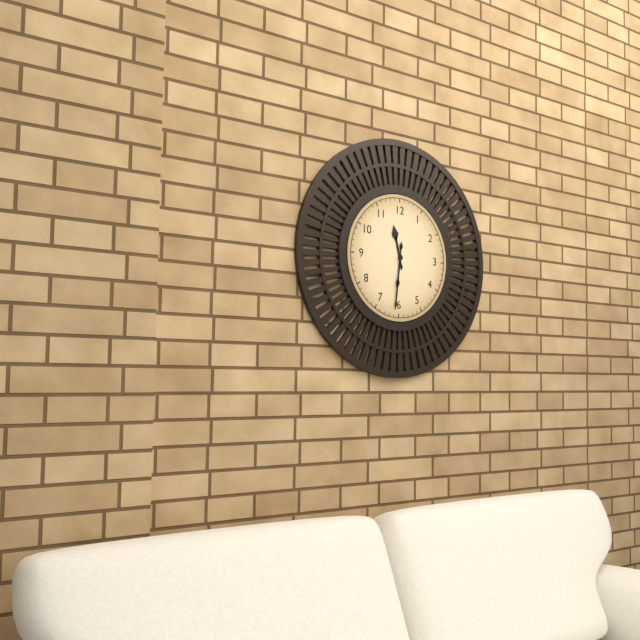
11:31
